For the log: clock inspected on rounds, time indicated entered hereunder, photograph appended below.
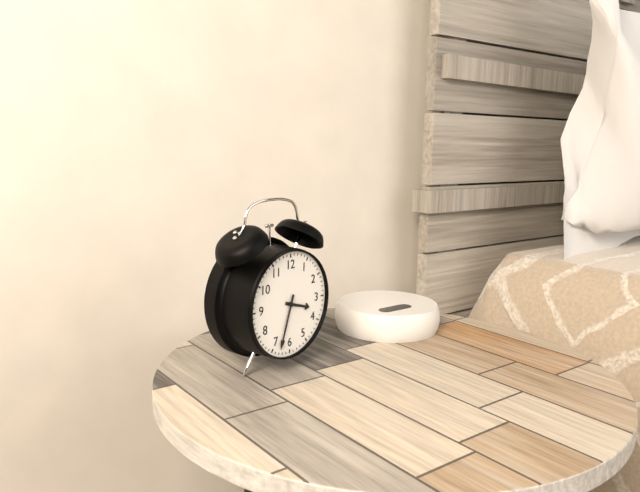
3:33
